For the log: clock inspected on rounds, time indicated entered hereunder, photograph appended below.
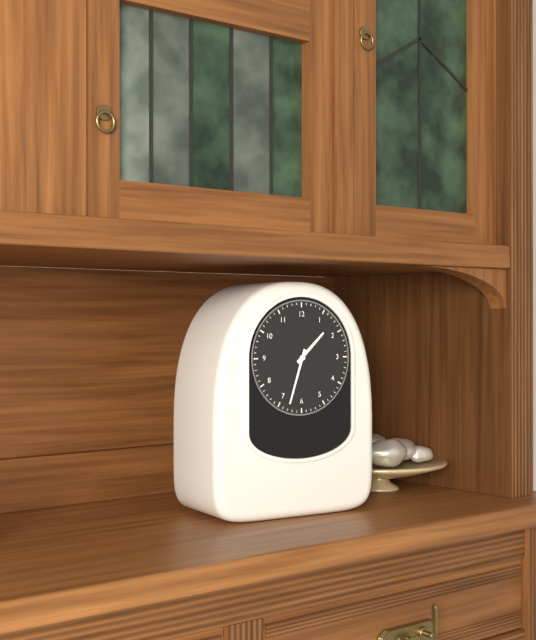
1:33
